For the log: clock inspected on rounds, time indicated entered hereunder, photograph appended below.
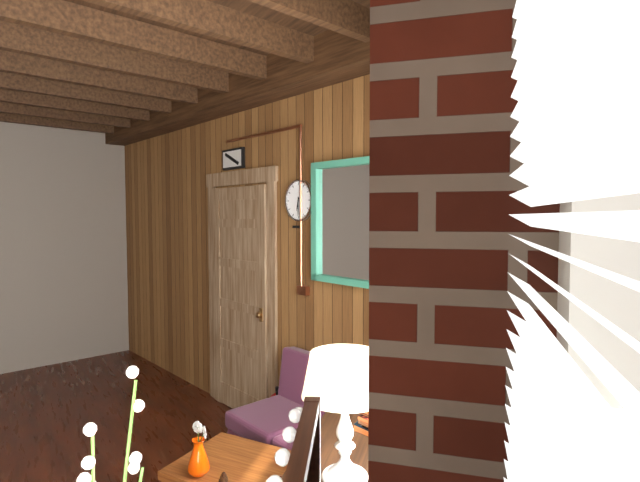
6:30
